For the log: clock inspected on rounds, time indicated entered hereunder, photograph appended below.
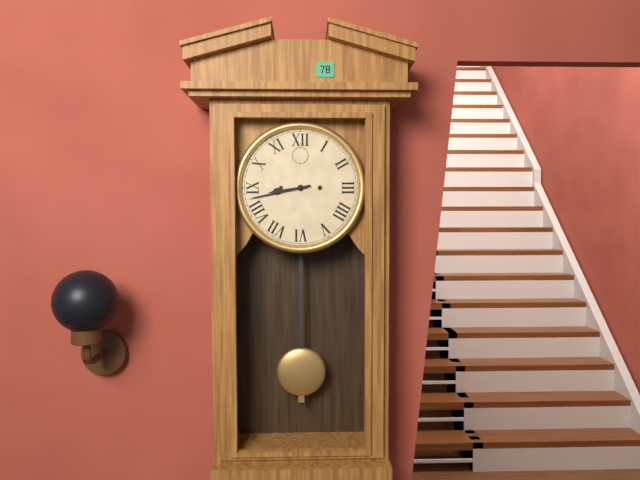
8:43
